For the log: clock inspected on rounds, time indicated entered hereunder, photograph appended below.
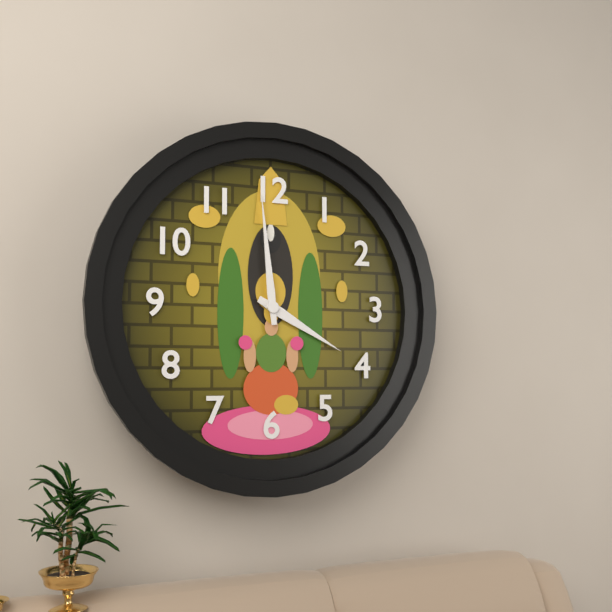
3:59
